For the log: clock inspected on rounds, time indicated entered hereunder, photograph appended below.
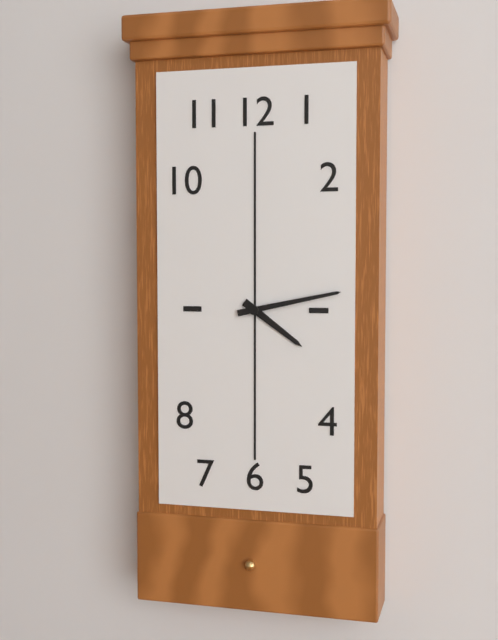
4:13
